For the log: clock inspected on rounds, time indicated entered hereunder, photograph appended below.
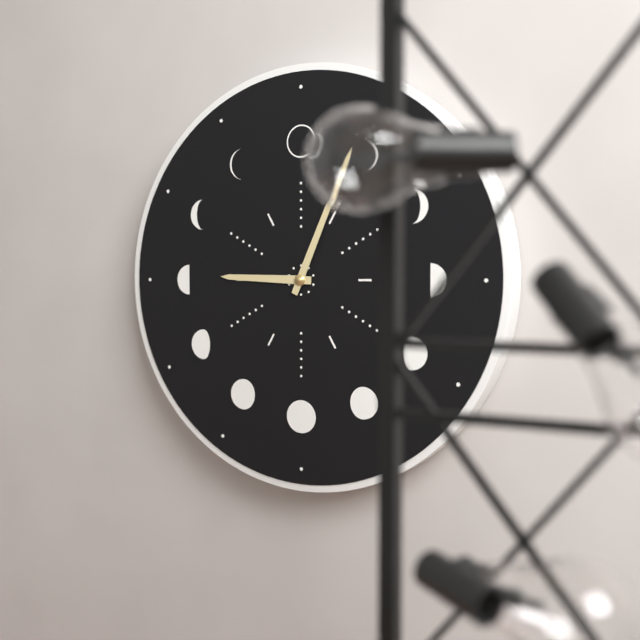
9:04
